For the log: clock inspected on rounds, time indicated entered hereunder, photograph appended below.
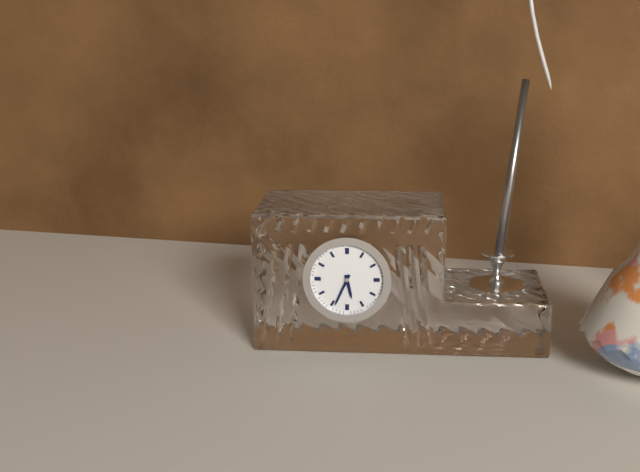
5:34
